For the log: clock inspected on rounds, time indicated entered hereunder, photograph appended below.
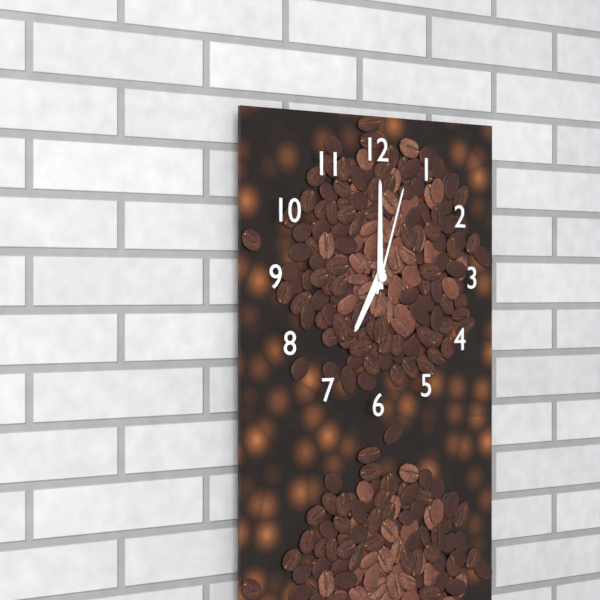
7:00:03
